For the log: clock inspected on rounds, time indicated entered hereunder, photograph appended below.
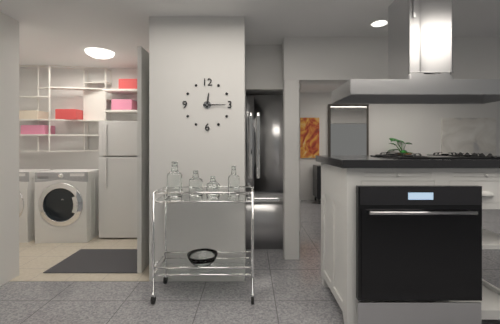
12:15
